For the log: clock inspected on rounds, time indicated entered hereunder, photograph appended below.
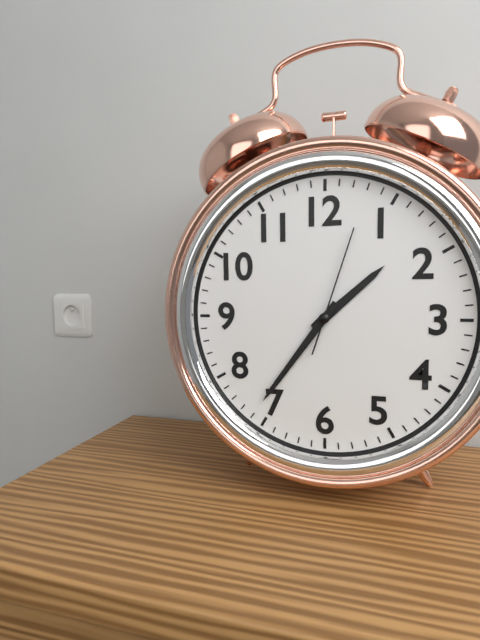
1:36:03
